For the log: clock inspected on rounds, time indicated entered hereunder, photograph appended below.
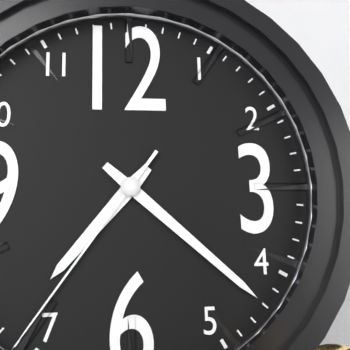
7:22
